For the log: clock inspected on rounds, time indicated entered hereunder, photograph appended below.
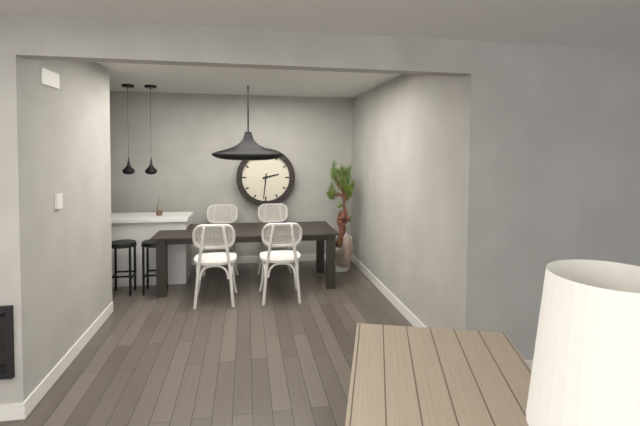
2:31
